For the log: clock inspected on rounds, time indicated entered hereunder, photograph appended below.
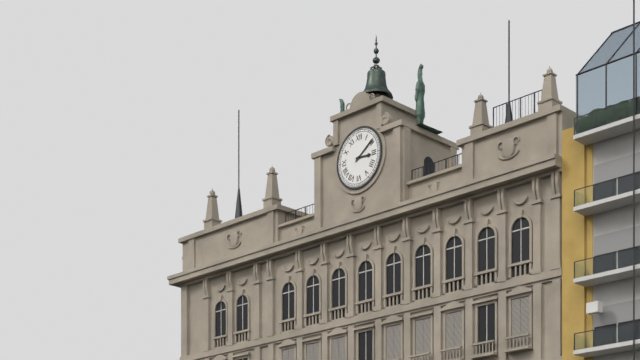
3:09
